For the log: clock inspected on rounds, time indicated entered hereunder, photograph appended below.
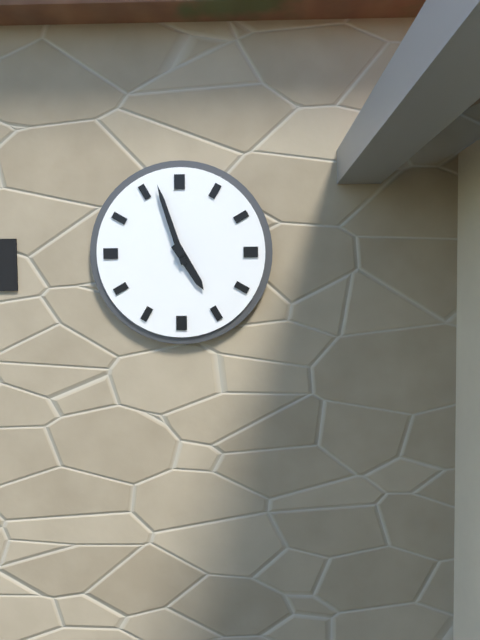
4:57
